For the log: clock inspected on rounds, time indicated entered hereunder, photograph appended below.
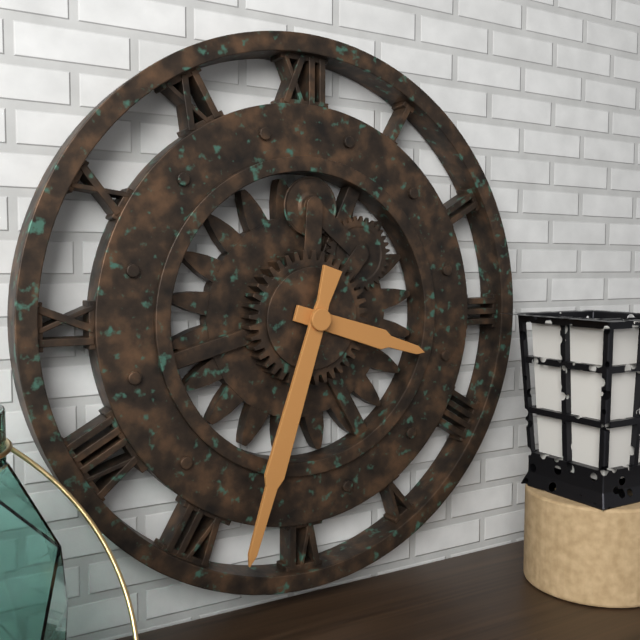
3:33
